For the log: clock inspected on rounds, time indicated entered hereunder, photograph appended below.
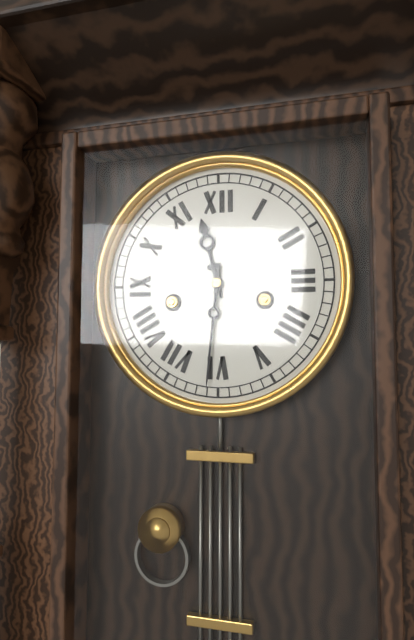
11:31
